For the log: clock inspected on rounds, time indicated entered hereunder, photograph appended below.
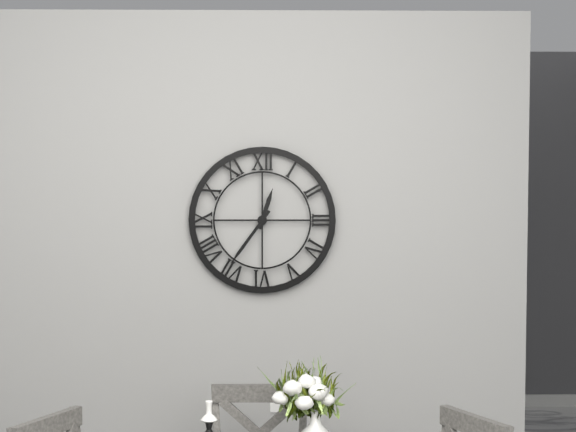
12:36
